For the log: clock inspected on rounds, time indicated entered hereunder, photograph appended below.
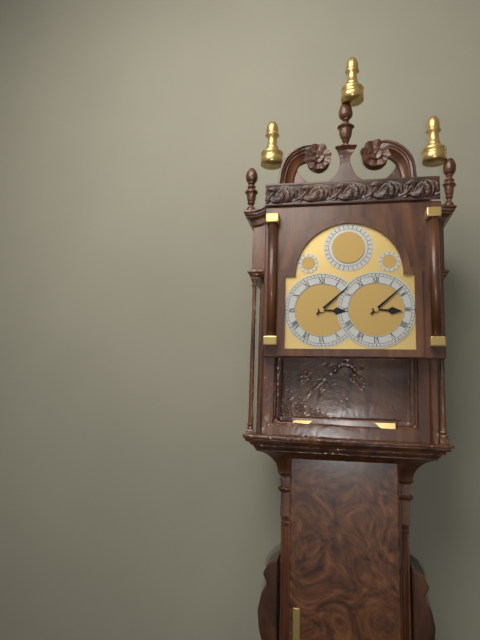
3:08
